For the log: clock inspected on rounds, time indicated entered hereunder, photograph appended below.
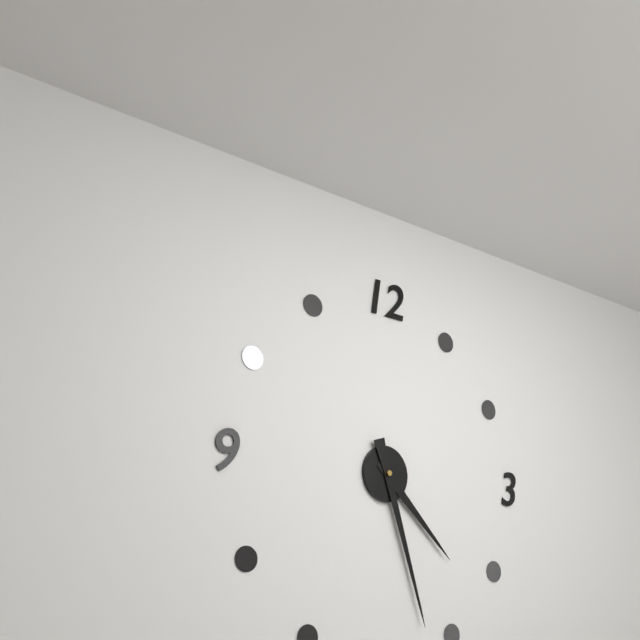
4:27
